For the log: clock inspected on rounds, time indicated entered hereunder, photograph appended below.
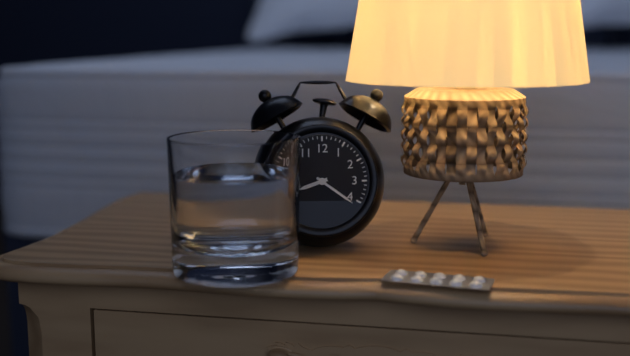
8:21
